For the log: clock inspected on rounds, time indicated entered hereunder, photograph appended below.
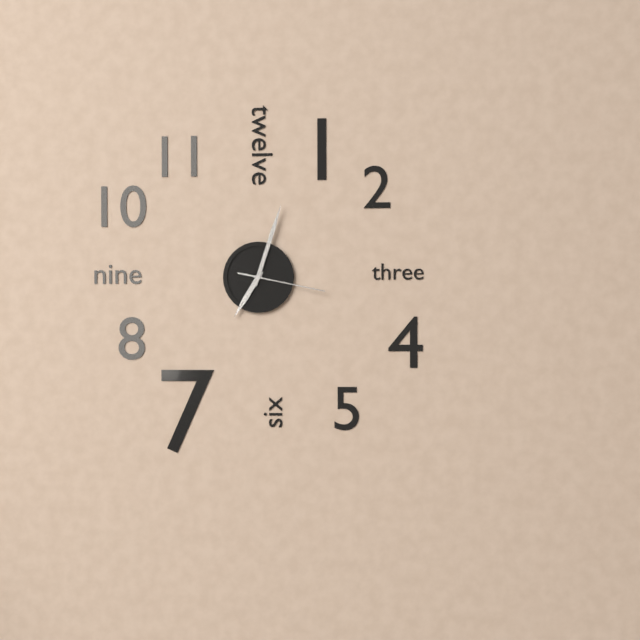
7:03:17
